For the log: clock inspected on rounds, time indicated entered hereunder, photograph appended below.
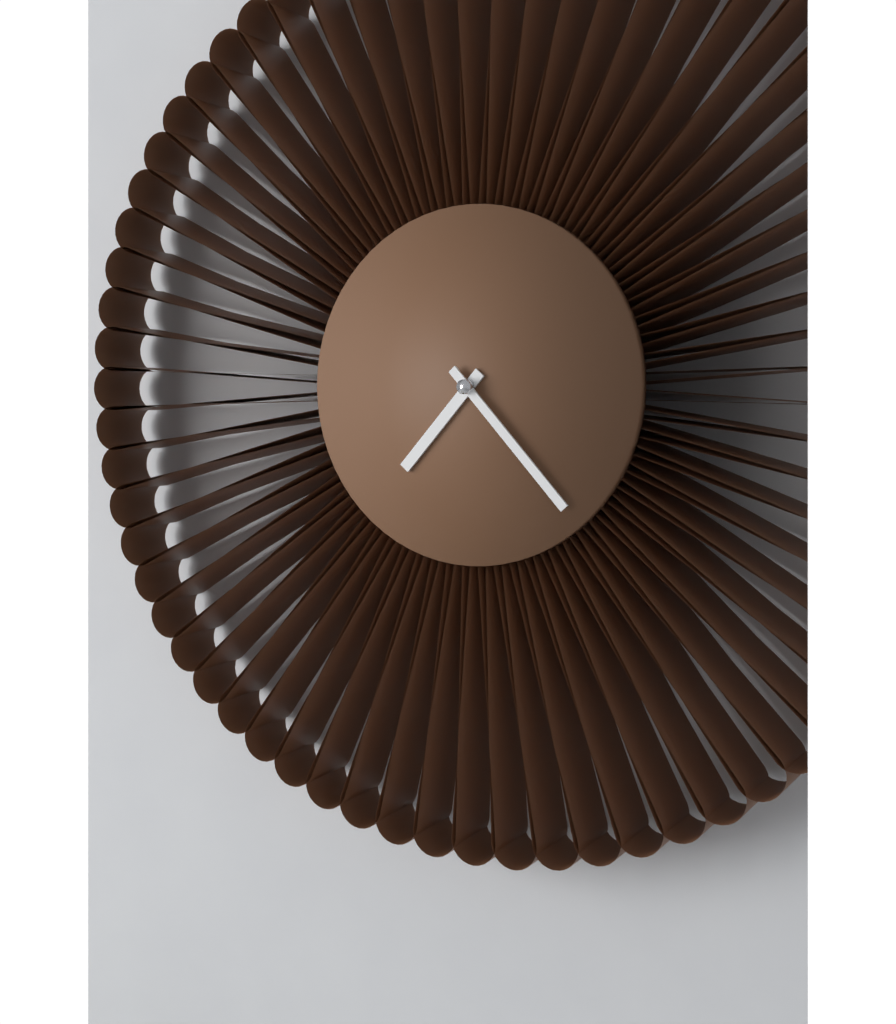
7:23
